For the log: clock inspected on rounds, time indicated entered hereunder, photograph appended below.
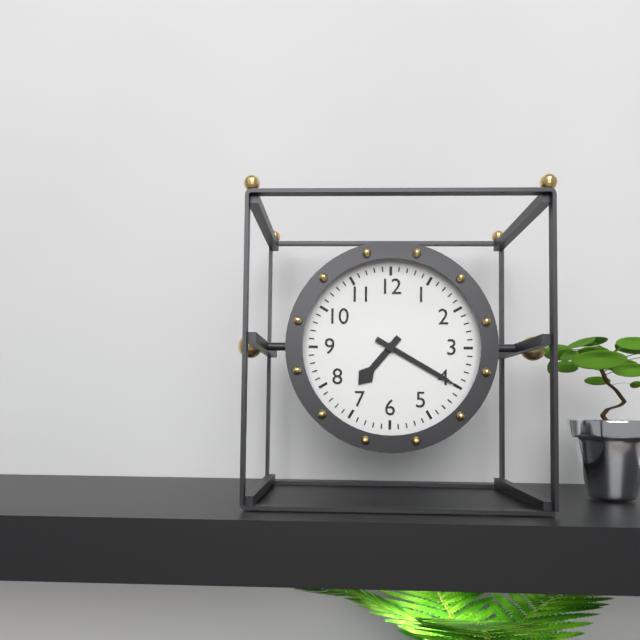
7:20
